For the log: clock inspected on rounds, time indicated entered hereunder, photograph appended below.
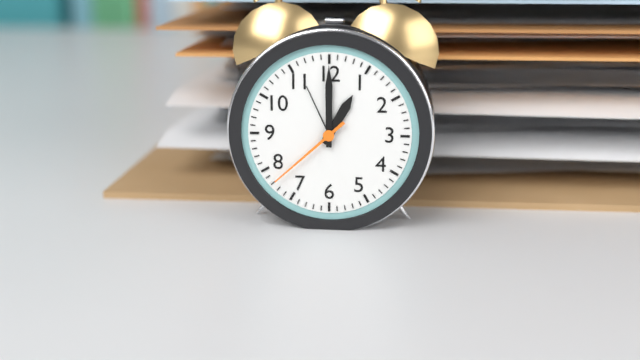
1:00:38
